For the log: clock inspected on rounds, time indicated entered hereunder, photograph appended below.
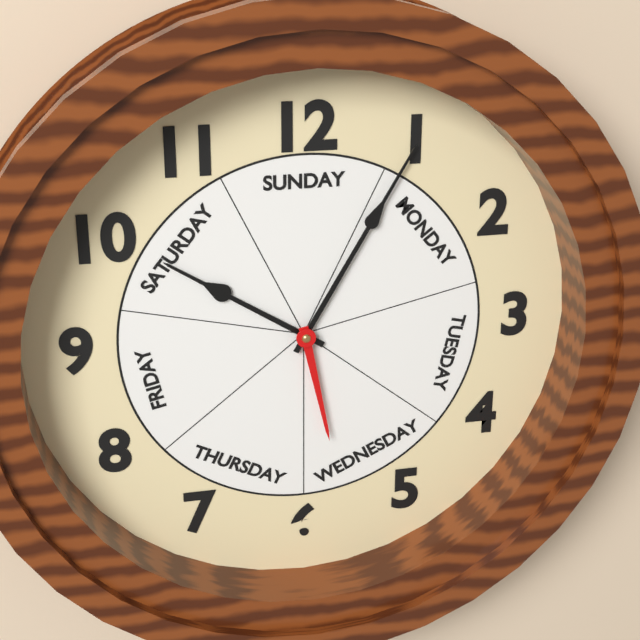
10:05:28
